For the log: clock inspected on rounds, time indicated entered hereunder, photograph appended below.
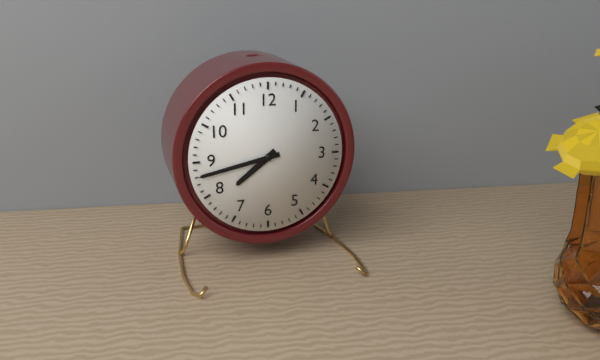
7:43
